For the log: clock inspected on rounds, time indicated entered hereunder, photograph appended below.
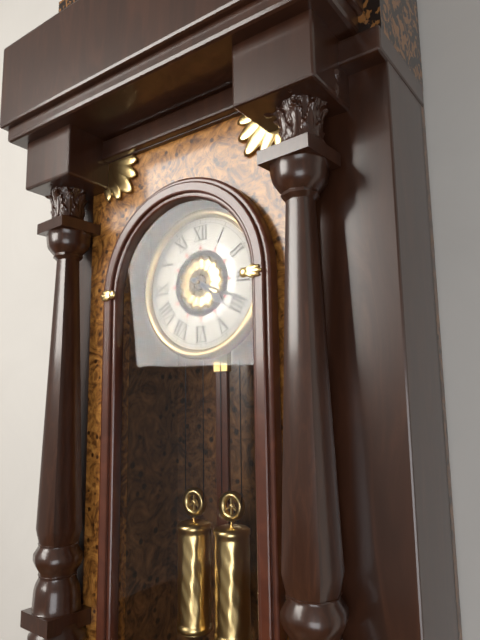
4:19
